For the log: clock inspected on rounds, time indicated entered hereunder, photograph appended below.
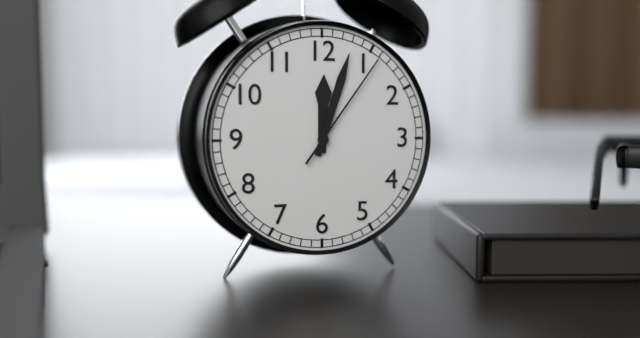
12:03:06
